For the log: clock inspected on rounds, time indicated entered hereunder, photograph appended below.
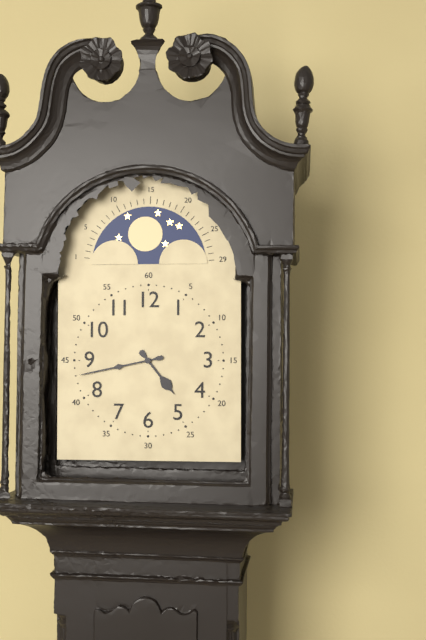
4:43
